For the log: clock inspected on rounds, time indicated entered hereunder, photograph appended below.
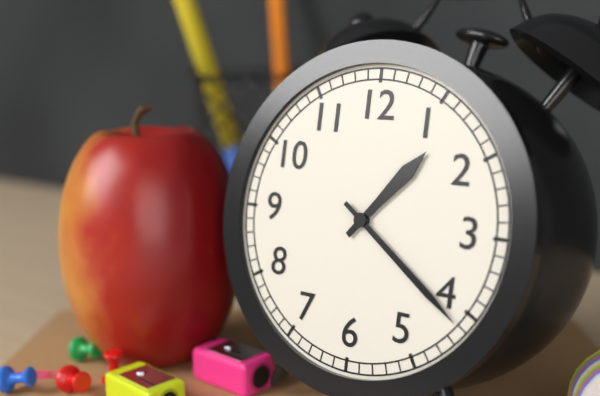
1:21
